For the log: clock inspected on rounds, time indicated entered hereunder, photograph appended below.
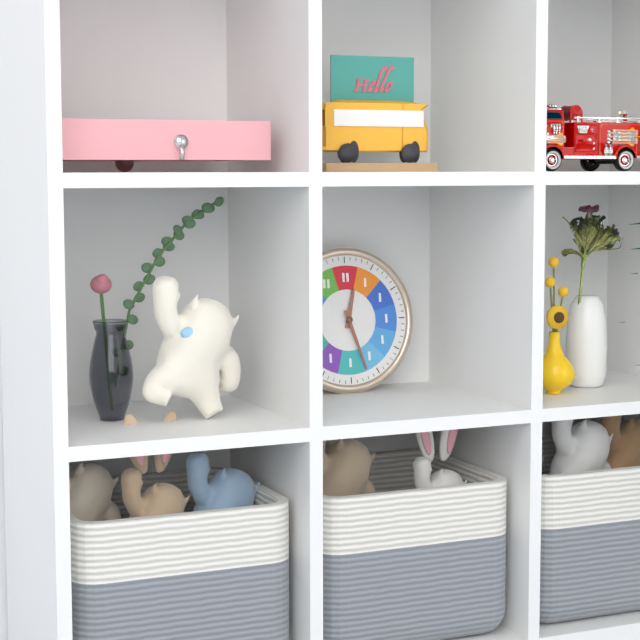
12:27
